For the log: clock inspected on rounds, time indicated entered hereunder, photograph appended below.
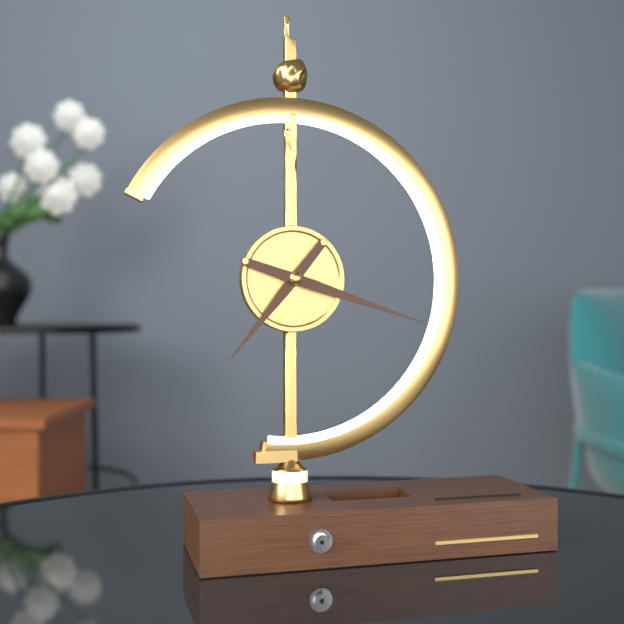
7:18
